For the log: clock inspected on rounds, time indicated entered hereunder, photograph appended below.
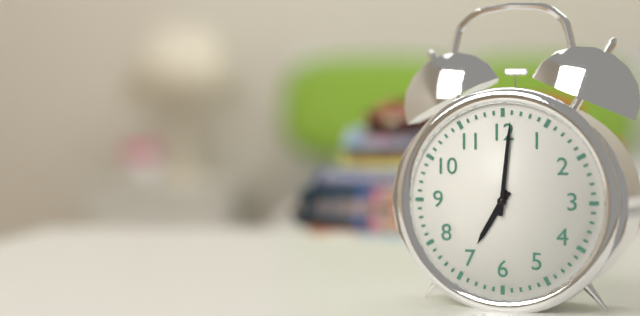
7:01
